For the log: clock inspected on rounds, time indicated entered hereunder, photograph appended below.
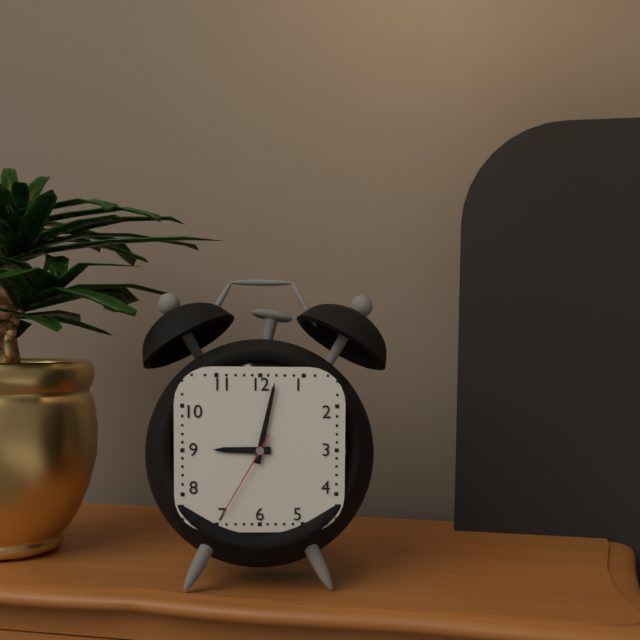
9:02:35
